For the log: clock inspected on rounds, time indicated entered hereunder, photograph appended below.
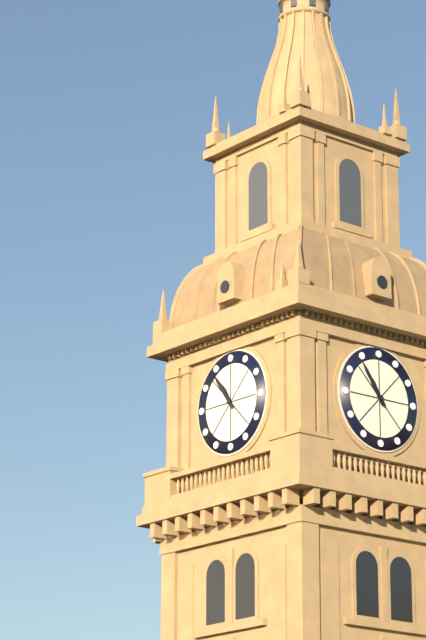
10:54
